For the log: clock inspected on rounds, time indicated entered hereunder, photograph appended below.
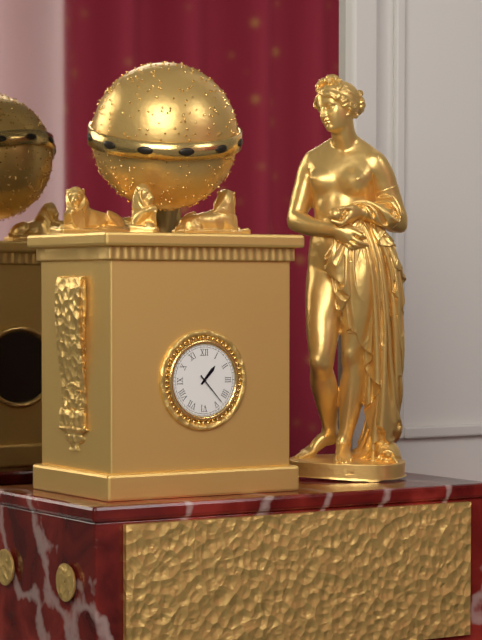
1:23
